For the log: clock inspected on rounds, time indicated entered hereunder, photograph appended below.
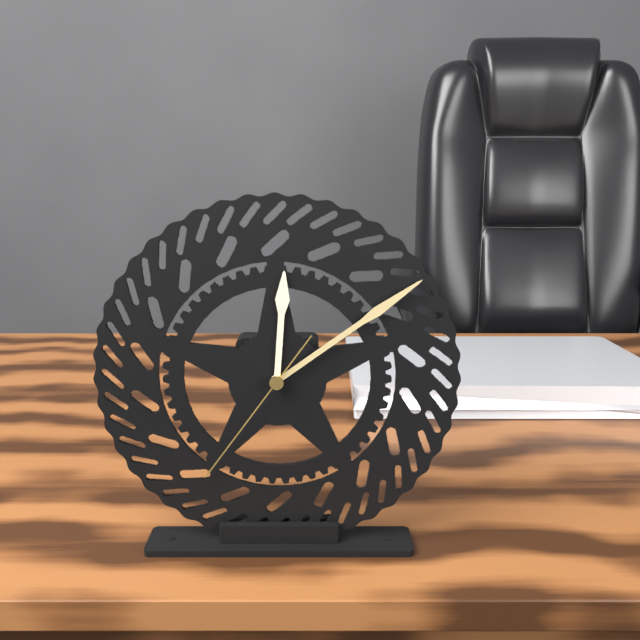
12:09:36
